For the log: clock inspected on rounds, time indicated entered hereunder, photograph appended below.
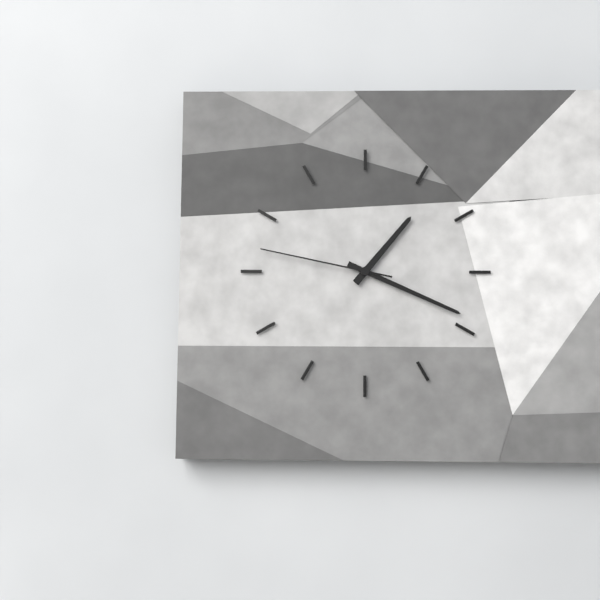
1:19:47
